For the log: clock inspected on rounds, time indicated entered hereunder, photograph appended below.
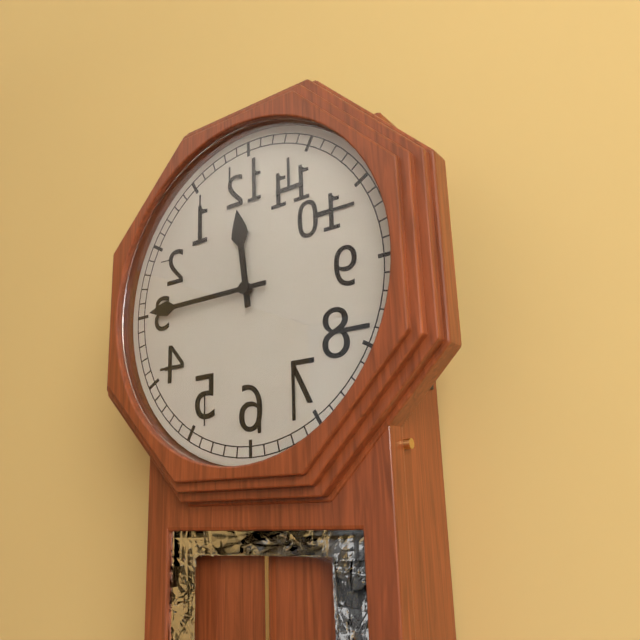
11:45
